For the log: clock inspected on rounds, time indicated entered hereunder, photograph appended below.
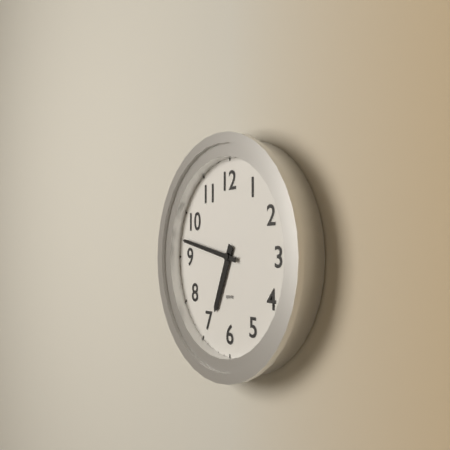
6:47
